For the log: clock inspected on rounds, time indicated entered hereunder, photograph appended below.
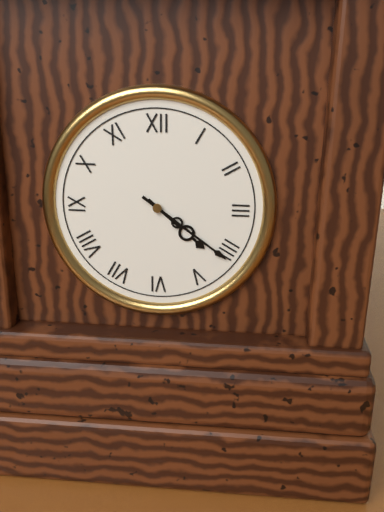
4:21
